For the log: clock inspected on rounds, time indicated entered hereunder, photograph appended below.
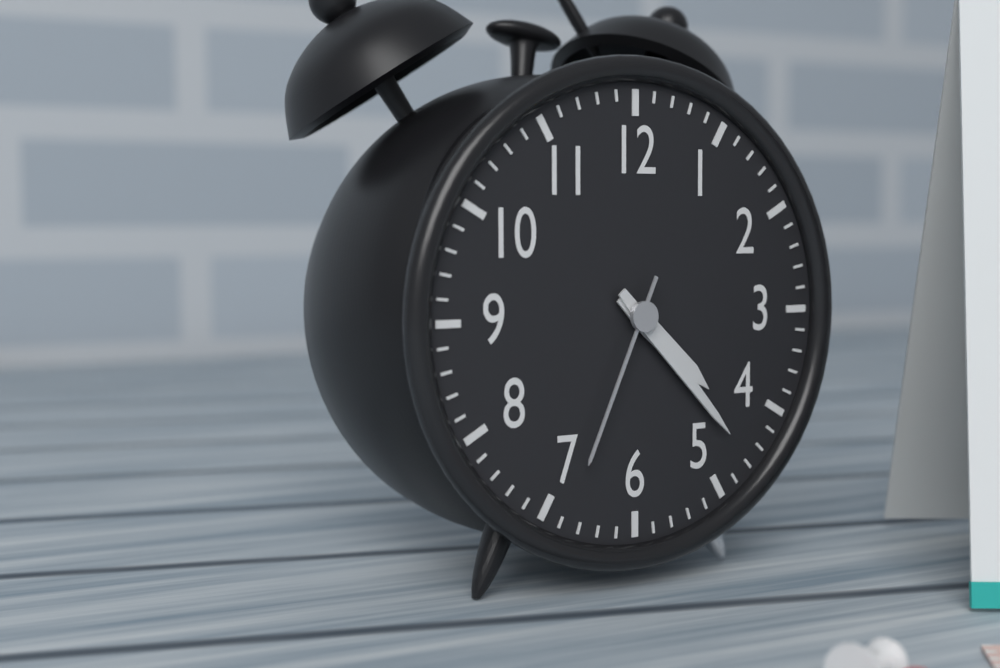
4:23:34
